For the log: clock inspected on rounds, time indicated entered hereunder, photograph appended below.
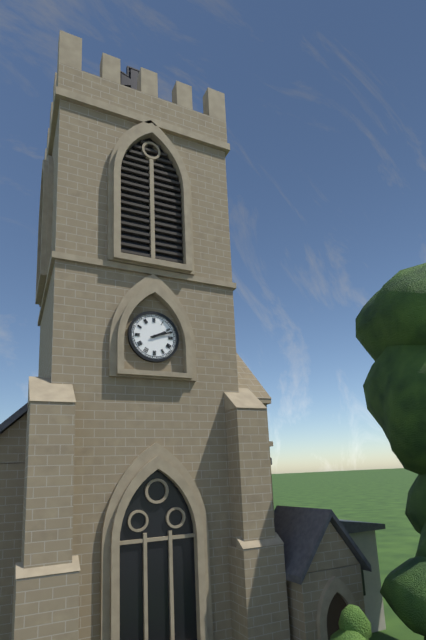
2:12
